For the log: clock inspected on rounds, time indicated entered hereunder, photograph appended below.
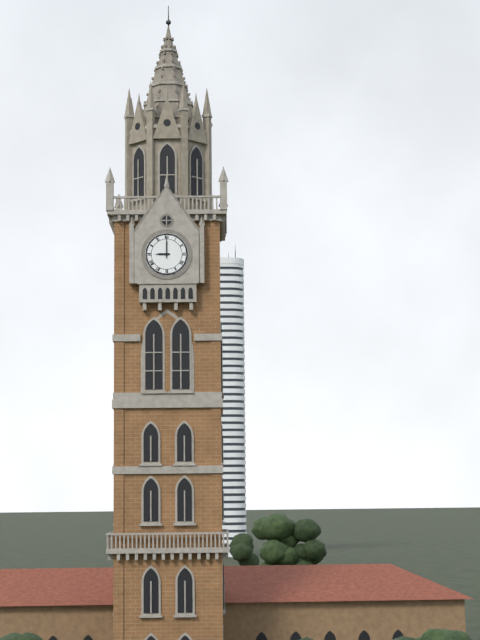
9:00
